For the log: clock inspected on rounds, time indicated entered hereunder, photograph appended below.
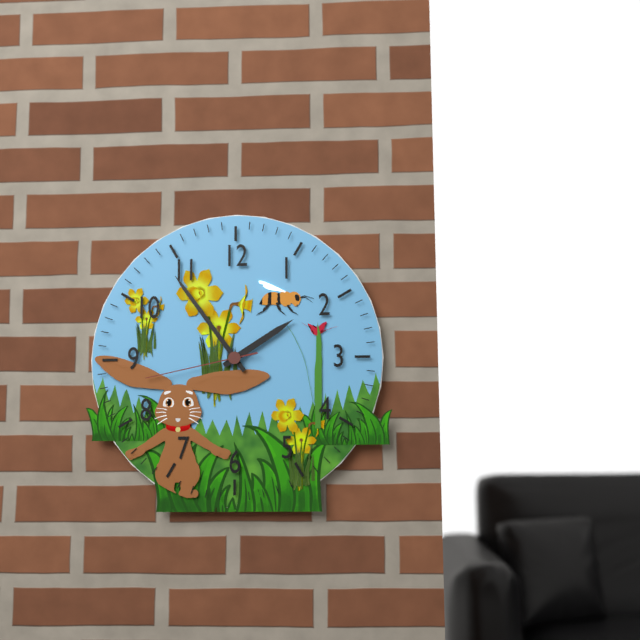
1:54:43
